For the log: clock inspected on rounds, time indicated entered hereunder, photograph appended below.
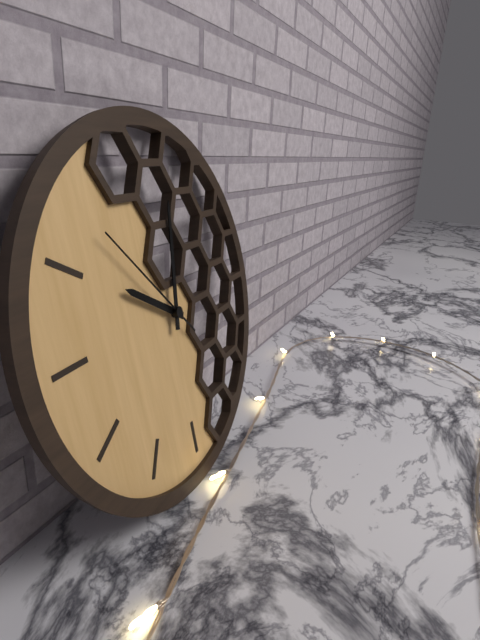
10:02:53
